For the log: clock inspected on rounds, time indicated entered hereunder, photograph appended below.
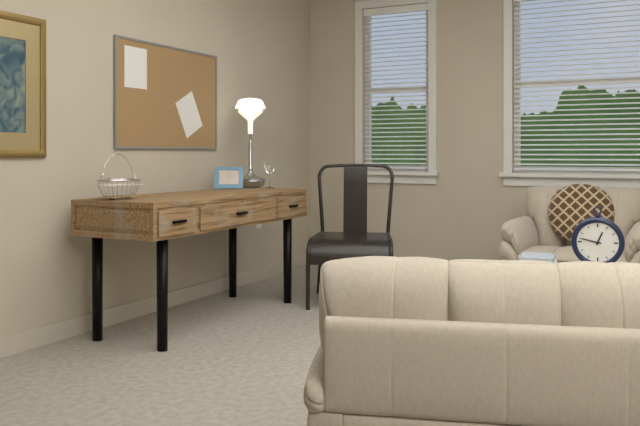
12:47
